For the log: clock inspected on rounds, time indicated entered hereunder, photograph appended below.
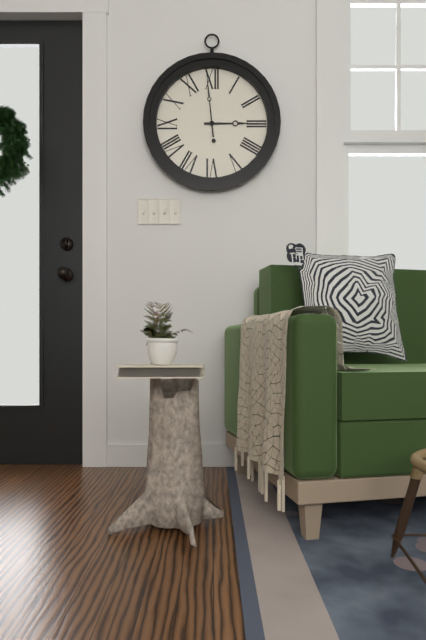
2:59
